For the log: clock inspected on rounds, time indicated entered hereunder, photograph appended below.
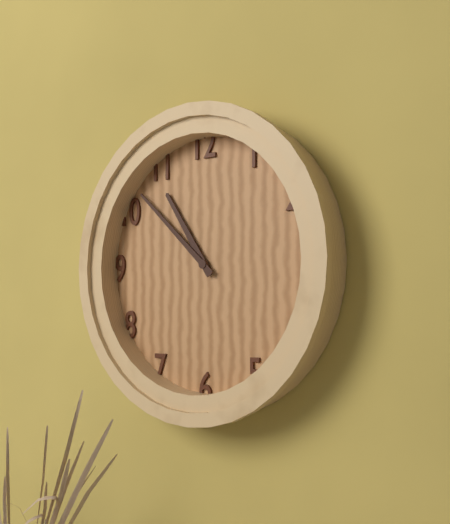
10:52
